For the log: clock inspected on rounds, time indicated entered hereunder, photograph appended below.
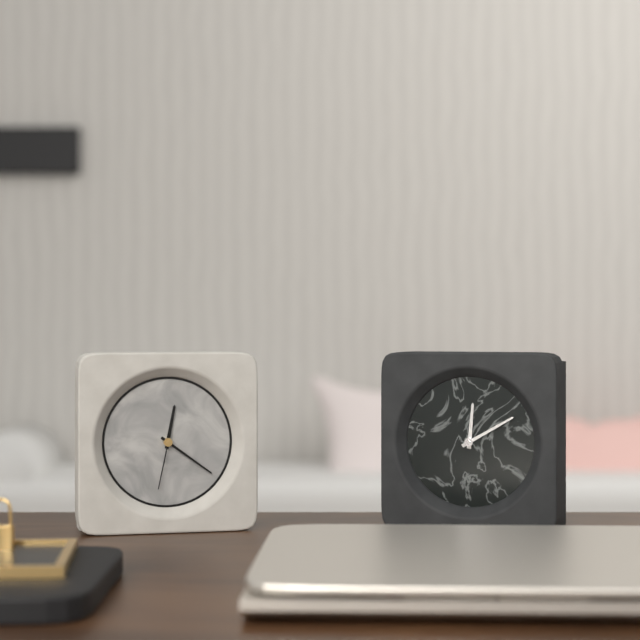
12:21:32
